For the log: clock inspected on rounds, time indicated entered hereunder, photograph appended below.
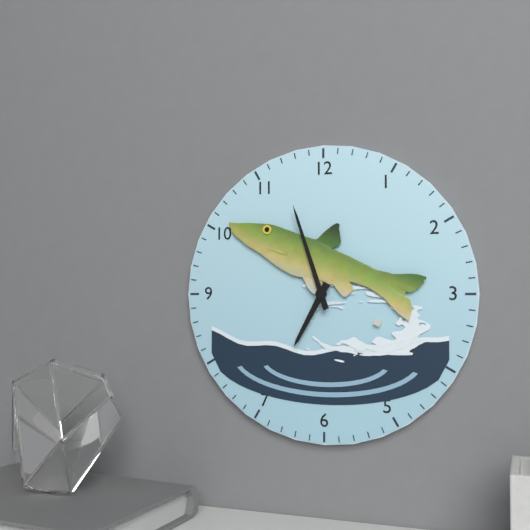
6:57
